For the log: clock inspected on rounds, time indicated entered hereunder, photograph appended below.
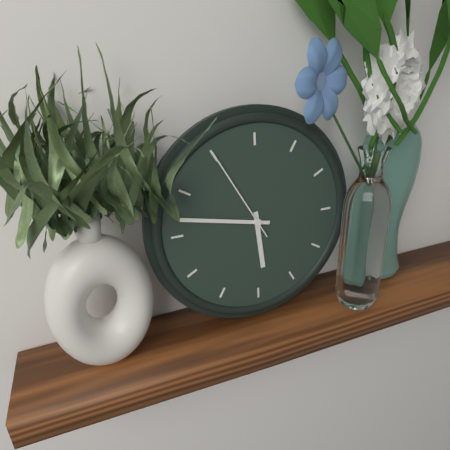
5:47:55
